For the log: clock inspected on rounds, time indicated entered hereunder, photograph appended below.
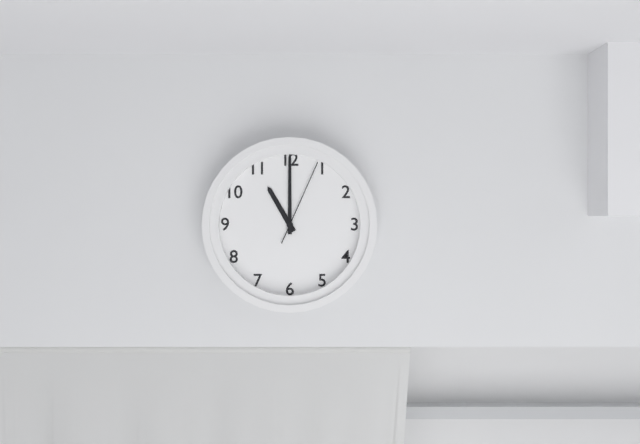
11:00:04
